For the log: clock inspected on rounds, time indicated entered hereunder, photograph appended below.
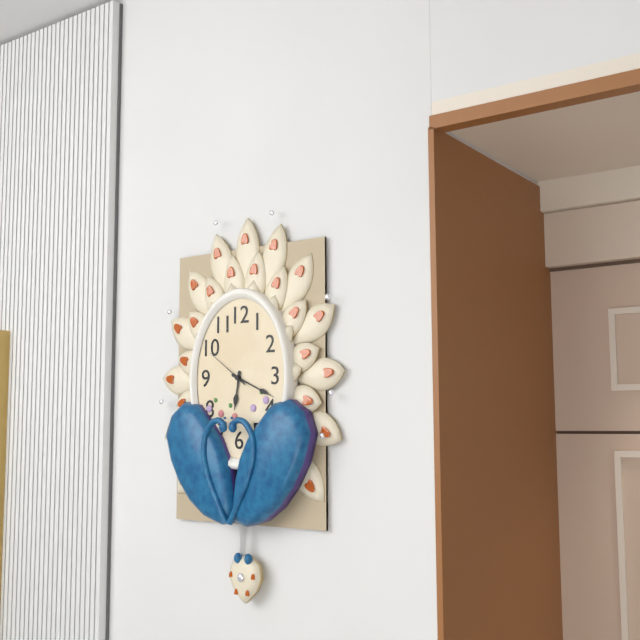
6:19
